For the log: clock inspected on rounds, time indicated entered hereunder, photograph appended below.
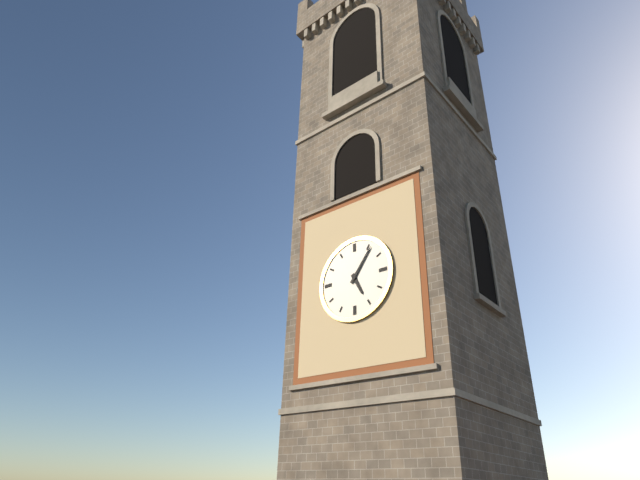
5:06
